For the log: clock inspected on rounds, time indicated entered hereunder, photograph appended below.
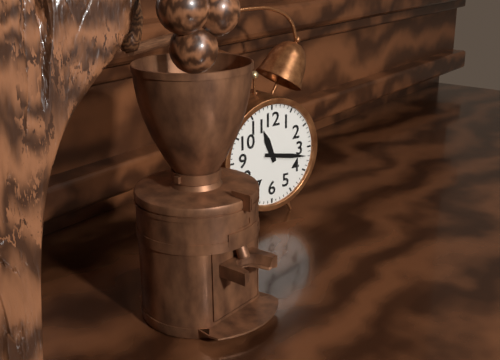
11:17
